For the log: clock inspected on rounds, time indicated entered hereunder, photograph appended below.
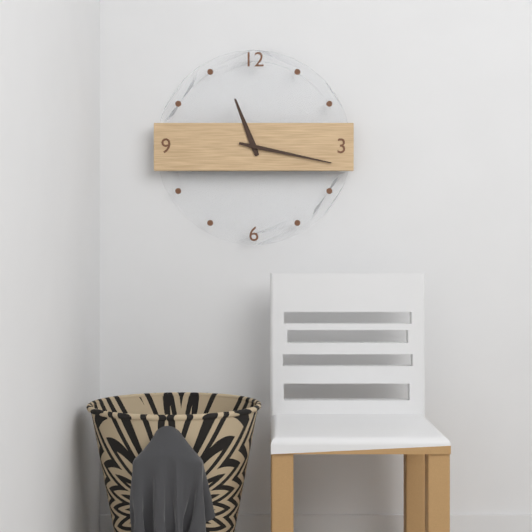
11:17
